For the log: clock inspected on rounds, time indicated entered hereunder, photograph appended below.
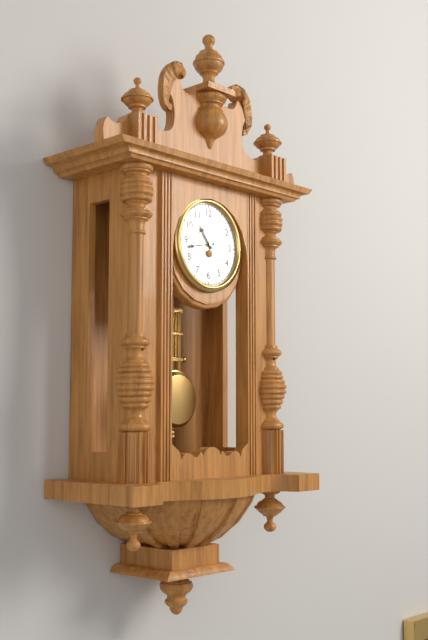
10:43
